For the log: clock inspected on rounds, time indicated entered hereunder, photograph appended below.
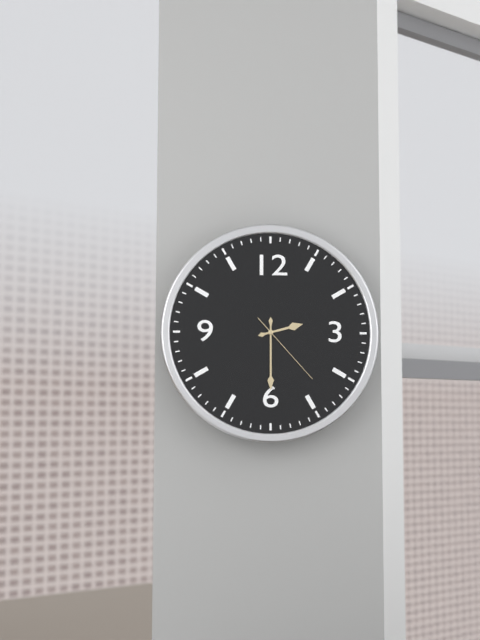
2:30:23
